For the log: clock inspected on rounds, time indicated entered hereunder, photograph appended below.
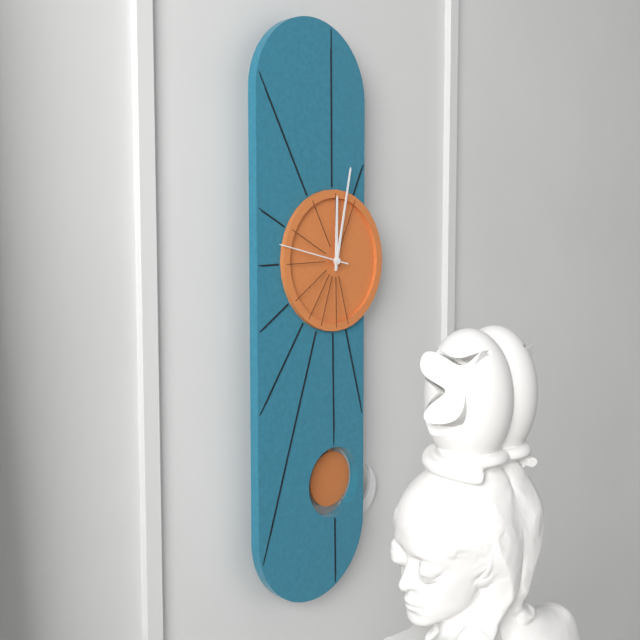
12:02:47
